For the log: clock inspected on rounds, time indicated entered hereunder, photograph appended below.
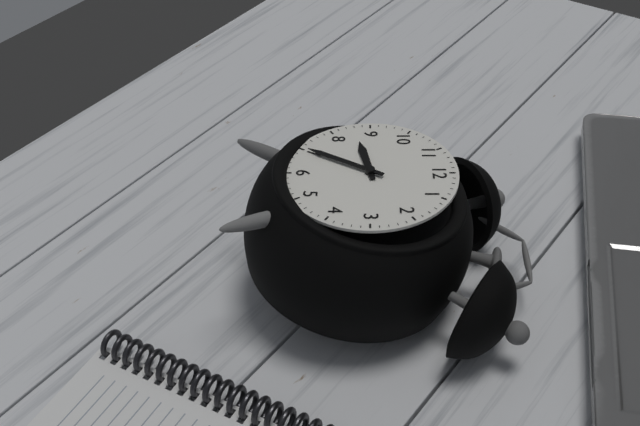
8:35
